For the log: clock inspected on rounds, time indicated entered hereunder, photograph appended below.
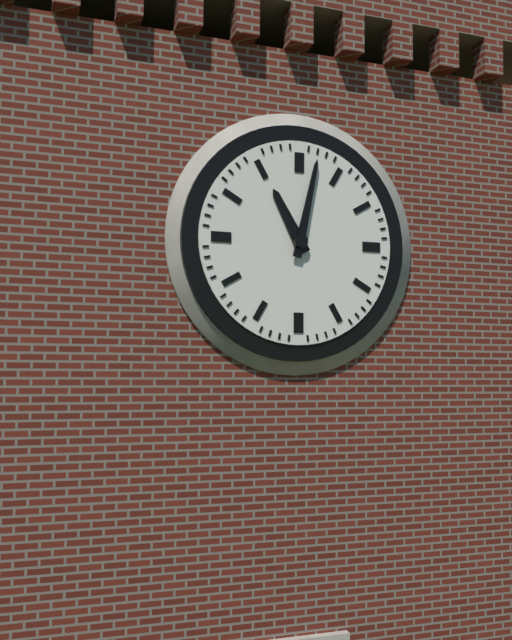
11:02
